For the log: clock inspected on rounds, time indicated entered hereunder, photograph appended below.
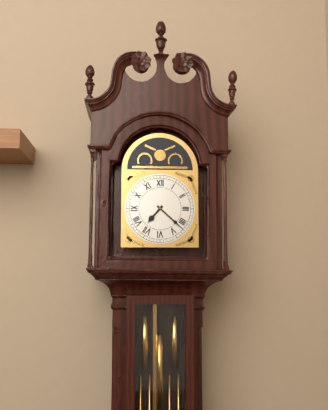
7:22
